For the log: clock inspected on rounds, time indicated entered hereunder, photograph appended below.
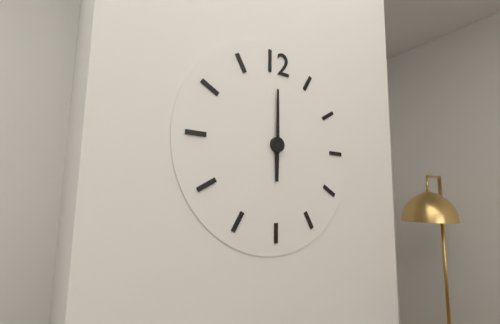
6:00
